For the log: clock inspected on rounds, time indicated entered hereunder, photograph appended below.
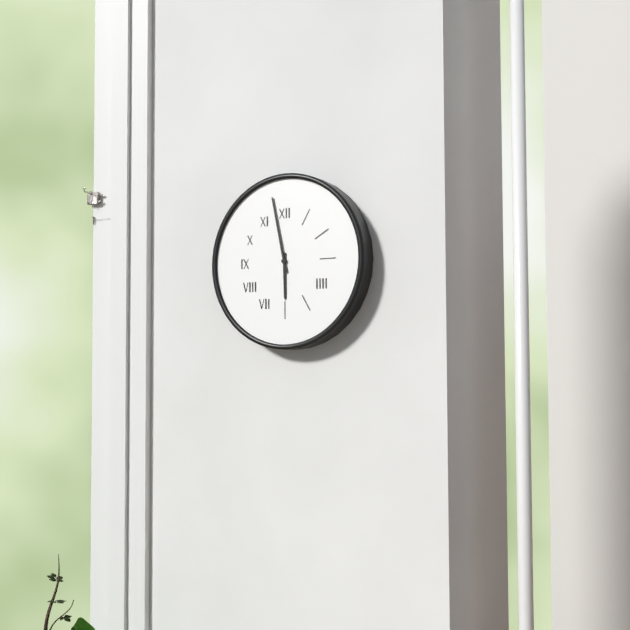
5:58
